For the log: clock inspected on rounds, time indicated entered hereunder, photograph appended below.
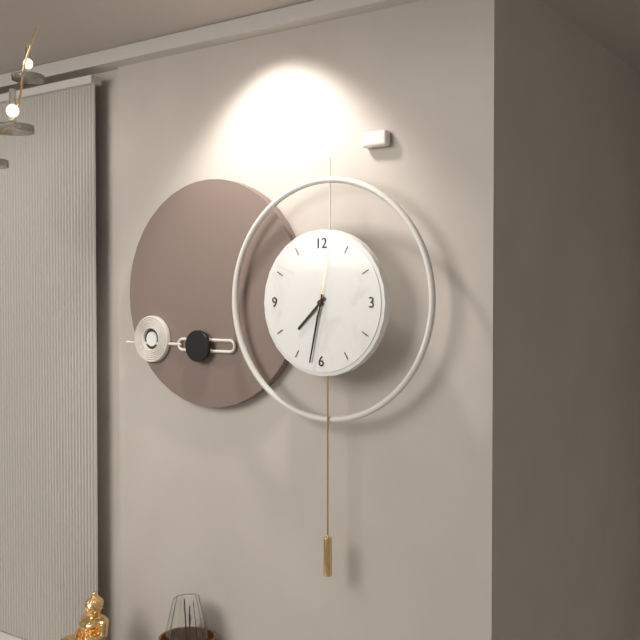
7:32:02
